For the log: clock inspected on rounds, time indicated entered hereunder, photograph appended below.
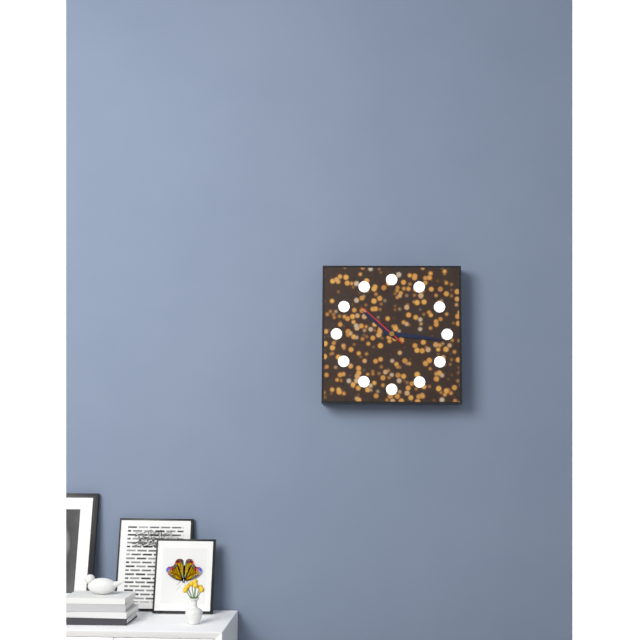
10:16:52
